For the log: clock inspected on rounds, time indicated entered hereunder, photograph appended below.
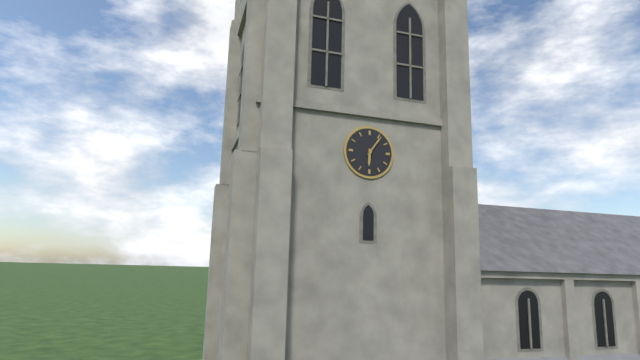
6:06
